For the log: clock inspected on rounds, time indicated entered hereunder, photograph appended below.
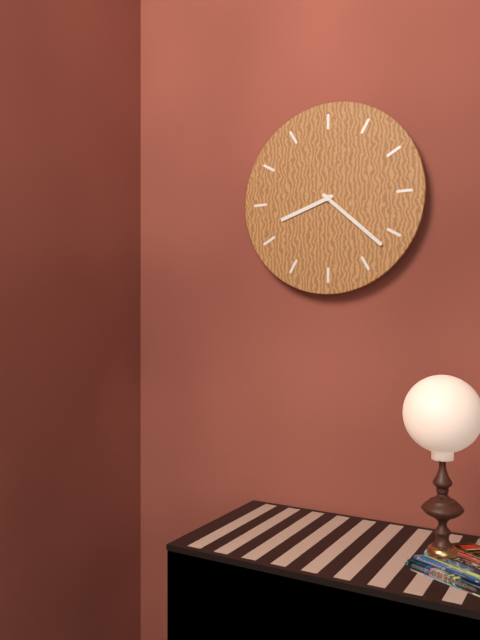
8:22
